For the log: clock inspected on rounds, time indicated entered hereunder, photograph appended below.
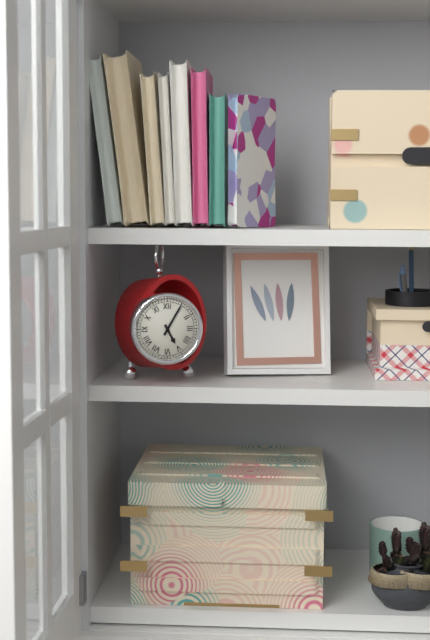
5:05
